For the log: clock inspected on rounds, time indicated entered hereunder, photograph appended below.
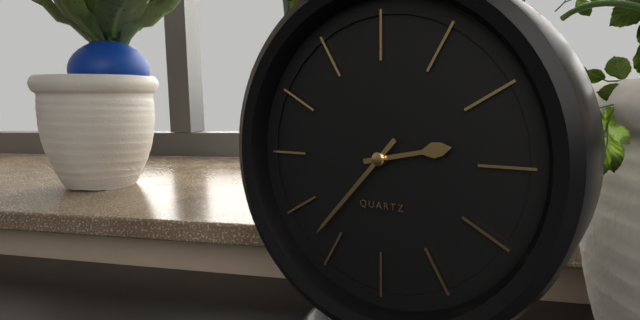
2:37
